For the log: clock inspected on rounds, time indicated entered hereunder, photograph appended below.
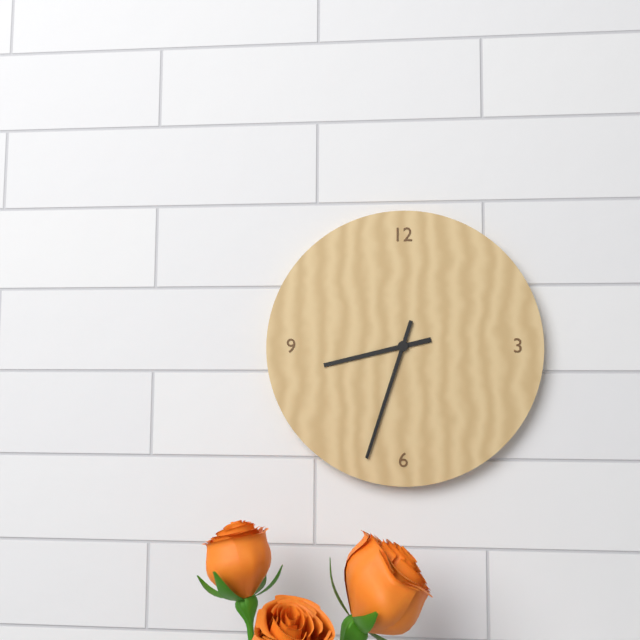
8:33
